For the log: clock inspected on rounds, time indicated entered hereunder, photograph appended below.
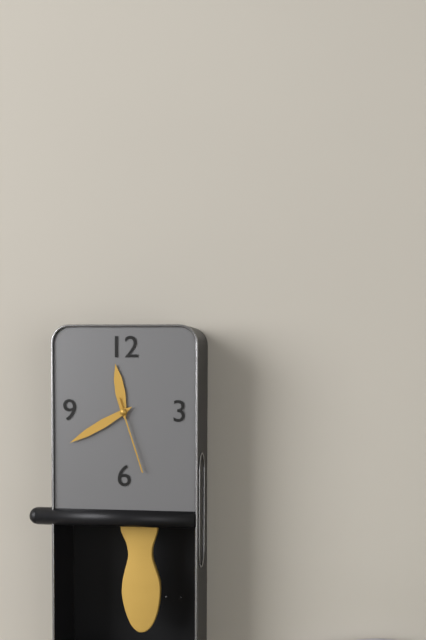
11:40:27
